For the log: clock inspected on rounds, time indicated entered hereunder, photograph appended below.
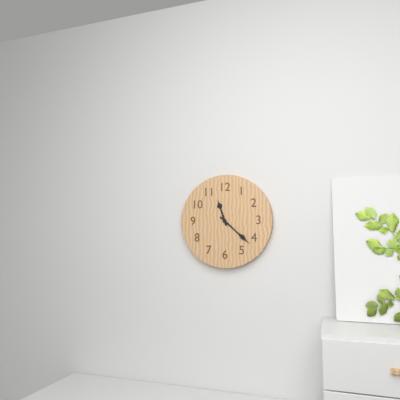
11:22
